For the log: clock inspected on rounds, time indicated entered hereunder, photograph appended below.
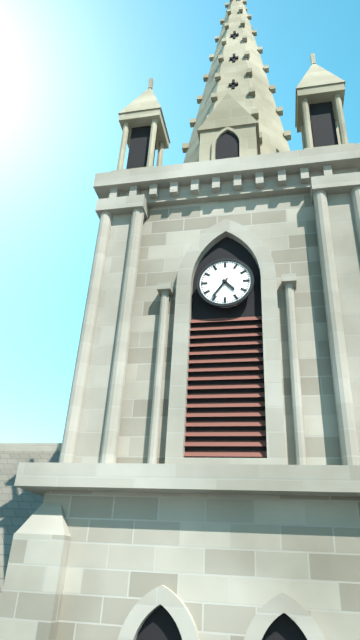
4:36
